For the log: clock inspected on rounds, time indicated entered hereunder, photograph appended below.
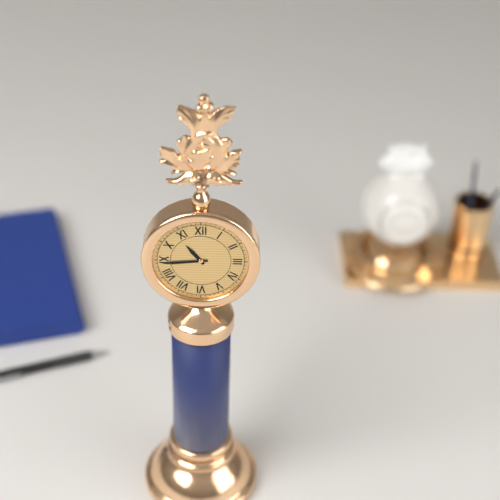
10:44
